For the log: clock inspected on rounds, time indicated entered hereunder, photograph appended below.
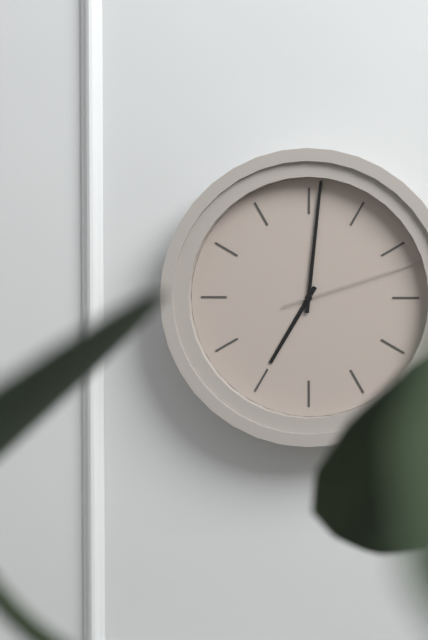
7:01:12
